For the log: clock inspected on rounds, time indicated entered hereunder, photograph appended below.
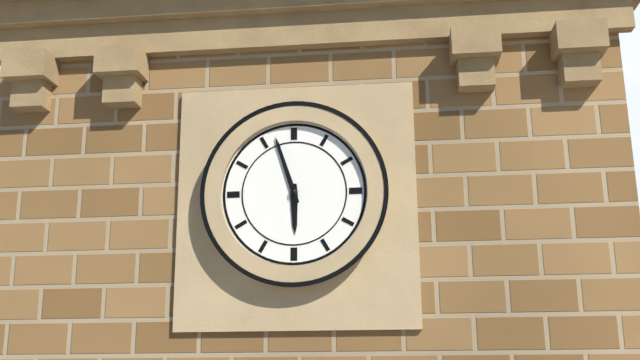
5:57
